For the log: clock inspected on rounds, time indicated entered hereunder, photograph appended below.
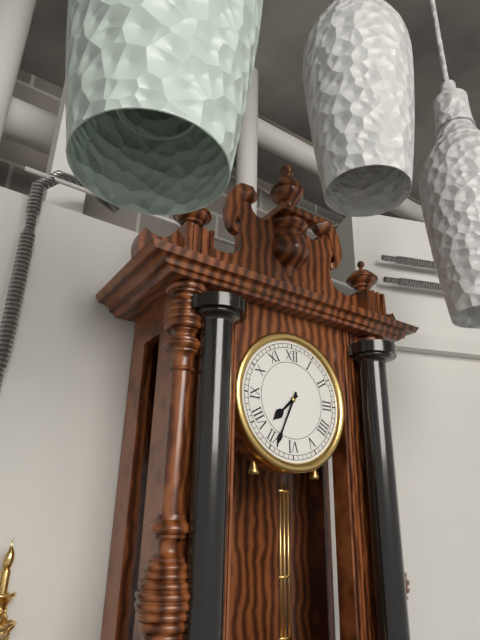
7:34
